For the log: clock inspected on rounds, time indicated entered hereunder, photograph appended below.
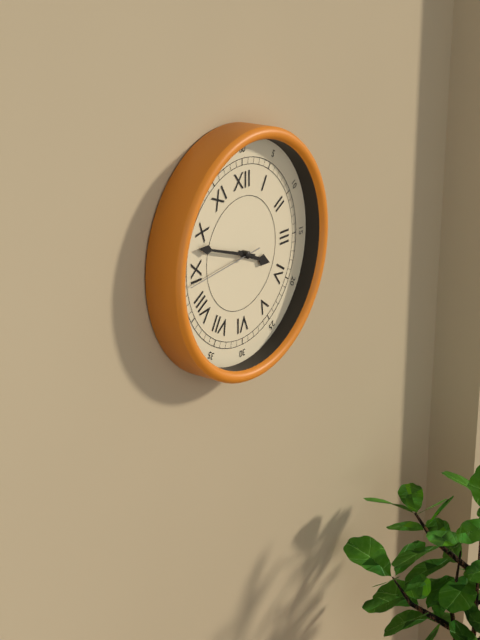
3:48:44
